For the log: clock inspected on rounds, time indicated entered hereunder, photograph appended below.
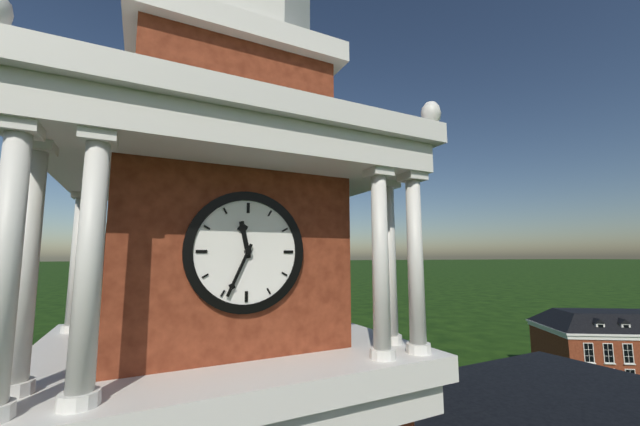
11:34
